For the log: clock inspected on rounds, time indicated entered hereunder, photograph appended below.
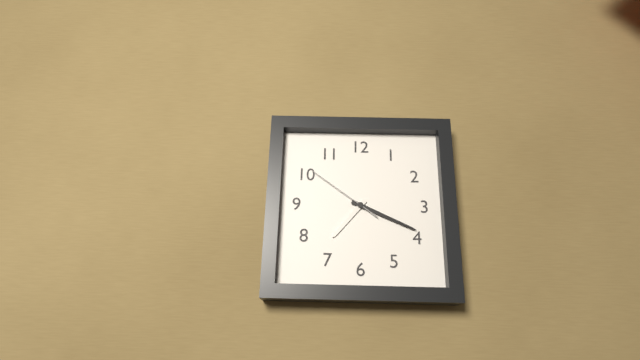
7:19:51
